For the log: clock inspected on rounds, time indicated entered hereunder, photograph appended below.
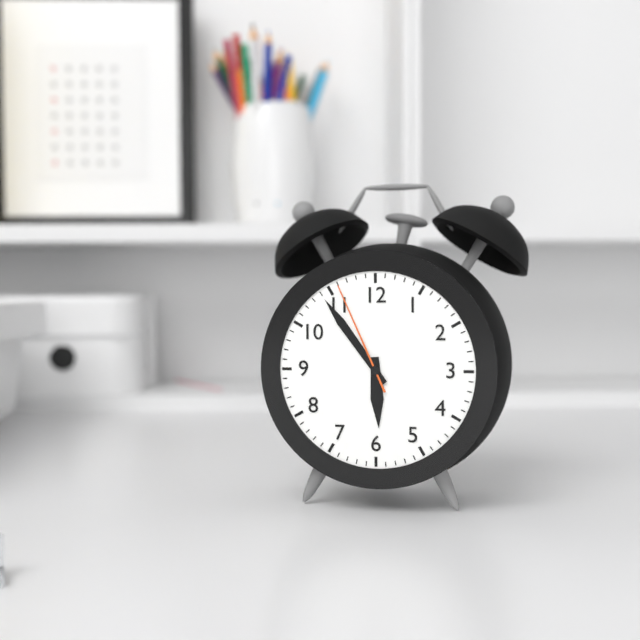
5:54:56
